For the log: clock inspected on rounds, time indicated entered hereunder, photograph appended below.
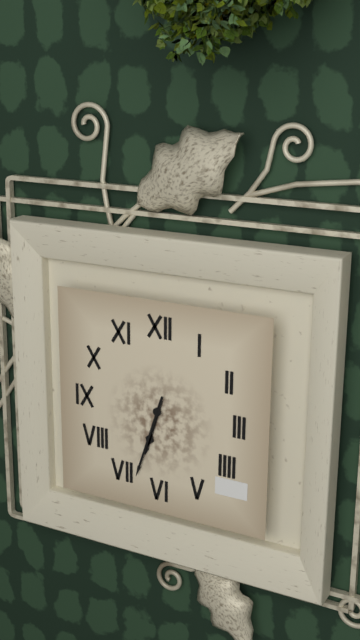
6:33
